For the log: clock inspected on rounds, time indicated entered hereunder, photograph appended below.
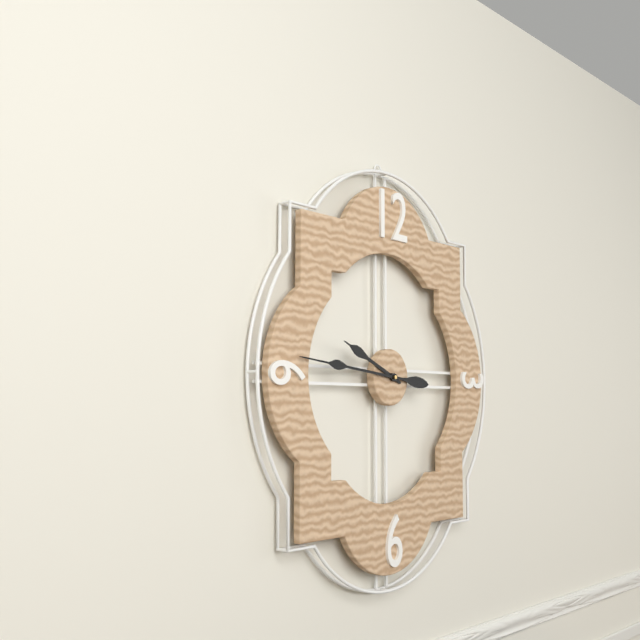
9:46
